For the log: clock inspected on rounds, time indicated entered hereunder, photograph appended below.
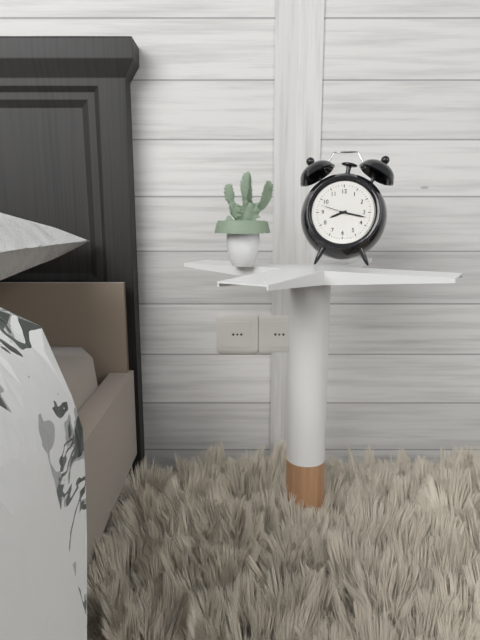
8:17
